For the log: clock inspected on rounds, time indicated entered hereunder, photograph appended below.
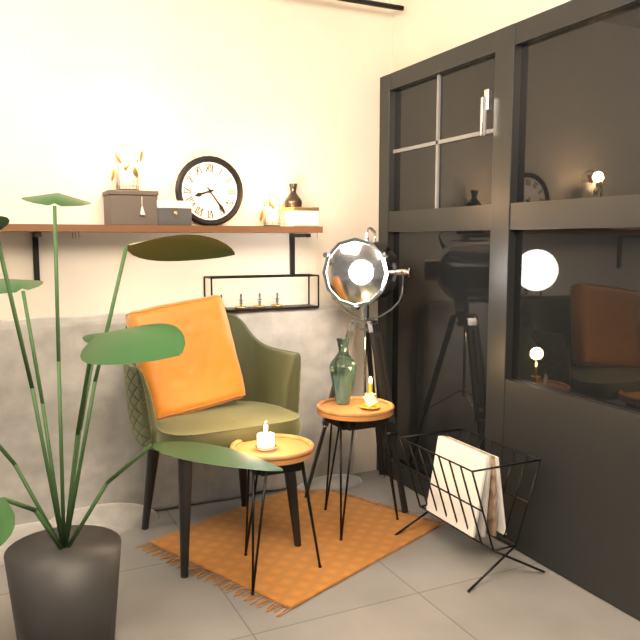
8:24
